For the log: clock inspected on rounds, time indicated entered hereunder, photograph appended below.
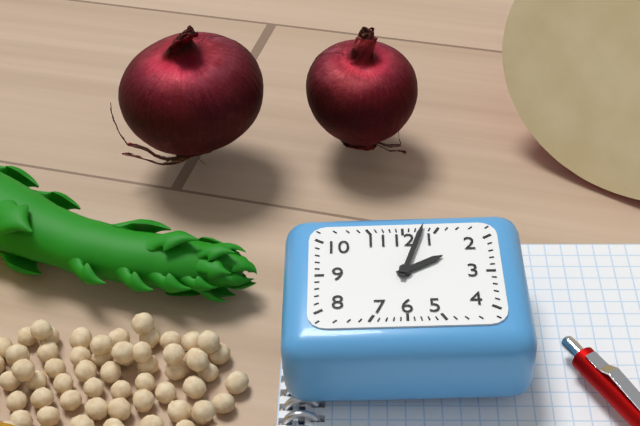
2:03
